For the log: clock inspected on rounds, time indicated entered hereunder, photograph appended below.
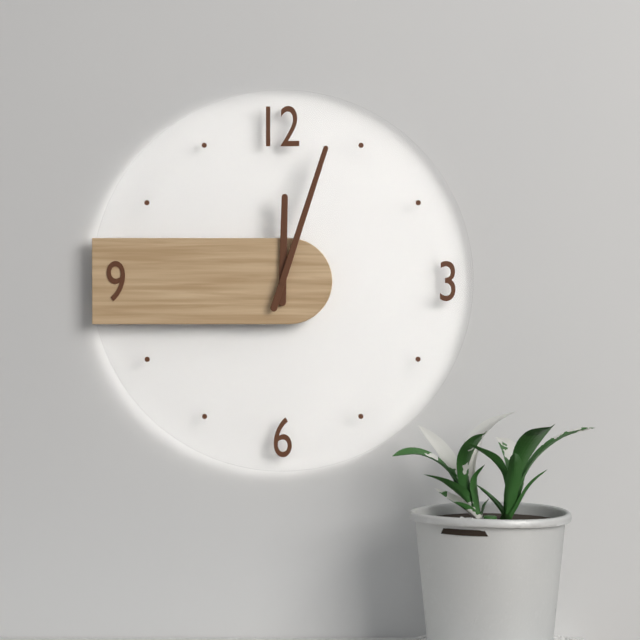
12:03
